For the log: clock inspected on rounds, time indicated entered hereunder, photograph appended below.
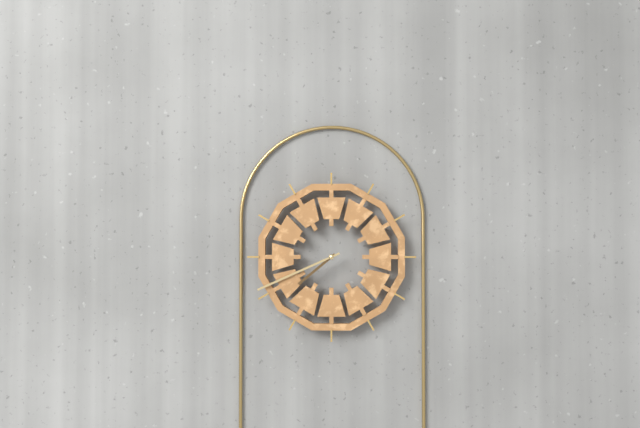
7:41
